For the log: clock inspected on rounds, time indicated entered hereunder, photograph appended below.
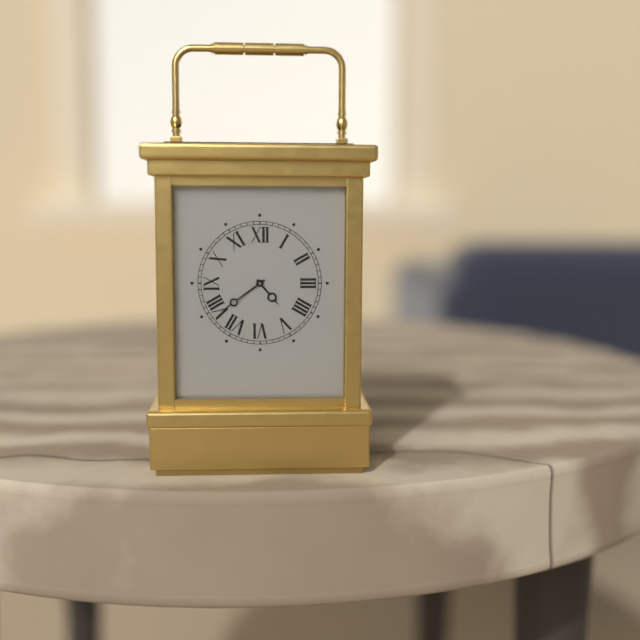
4:39
